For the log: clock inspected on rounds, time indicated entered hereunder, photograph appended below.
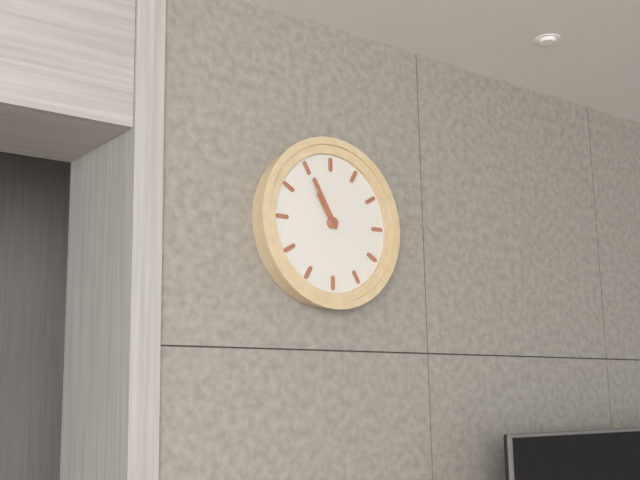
10:55
